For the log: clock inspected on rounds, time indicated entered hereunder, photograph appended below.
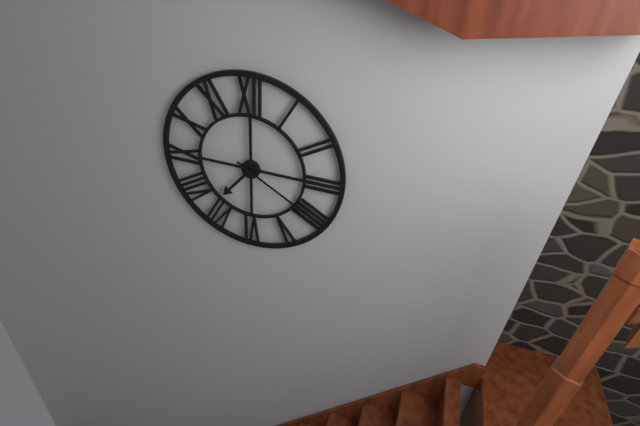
7:20
